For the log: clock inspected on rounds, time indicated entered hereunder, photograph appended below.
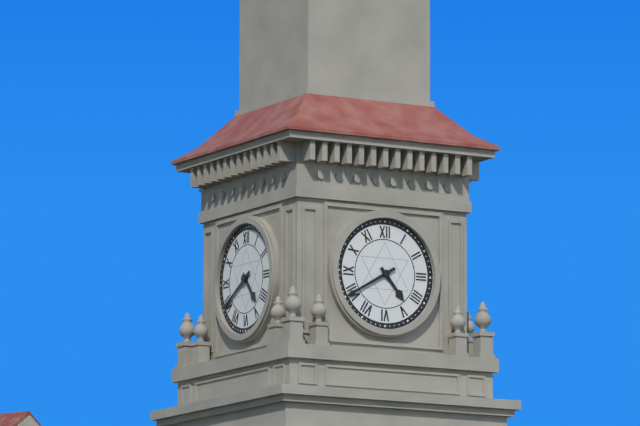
4:40
